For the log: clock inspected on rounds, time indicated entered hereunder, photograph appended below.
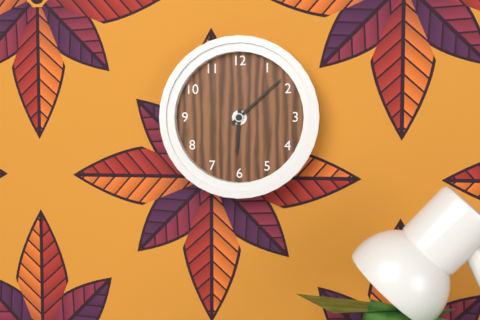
6:08
